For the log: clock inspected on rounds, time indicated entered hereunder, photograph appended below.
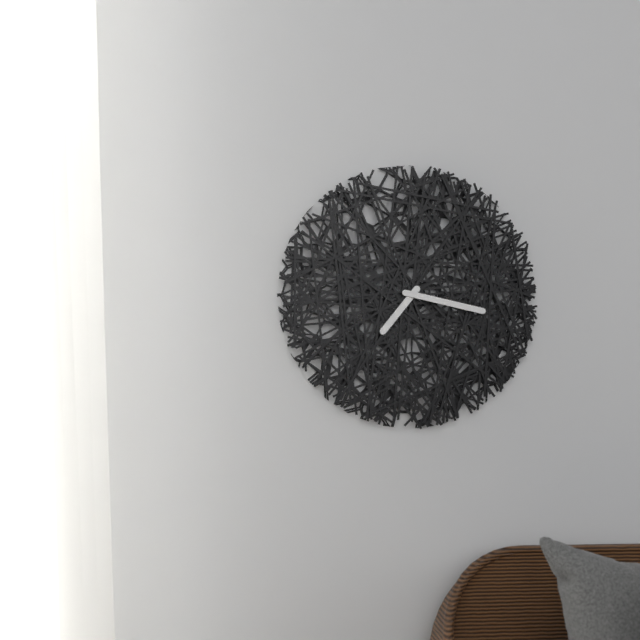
7:17
